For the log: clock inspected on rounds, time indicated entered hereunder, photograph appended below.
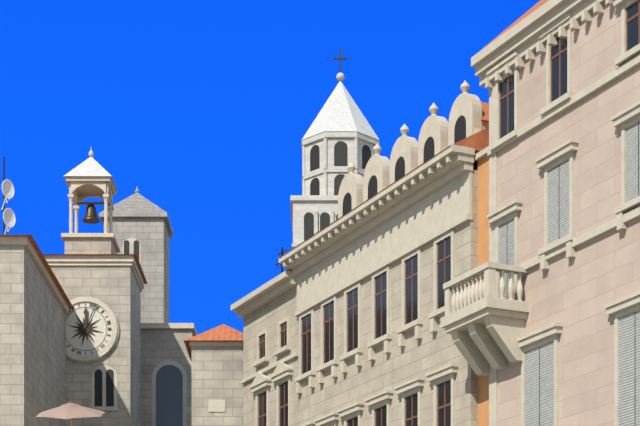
12:04
